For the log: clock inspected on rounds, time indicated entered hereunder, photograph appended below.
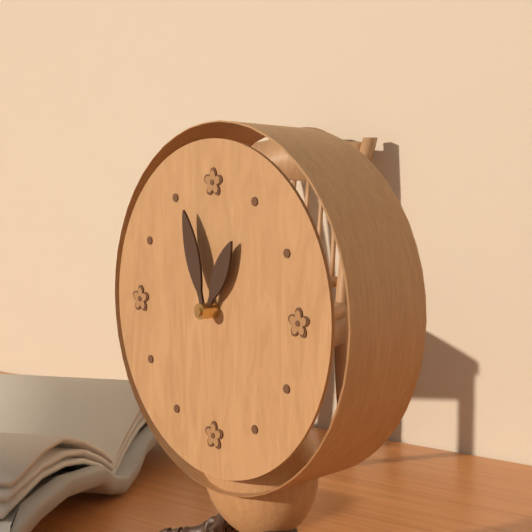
12:57
